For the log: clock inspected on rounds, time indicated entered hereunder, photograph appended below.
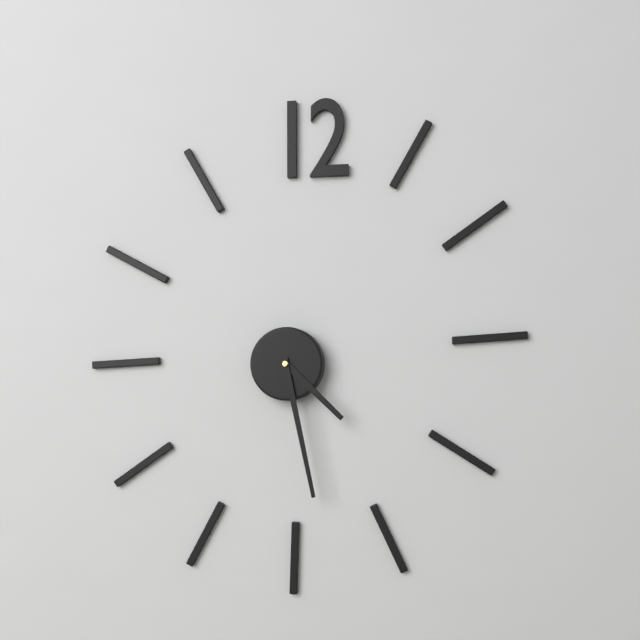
4:28
